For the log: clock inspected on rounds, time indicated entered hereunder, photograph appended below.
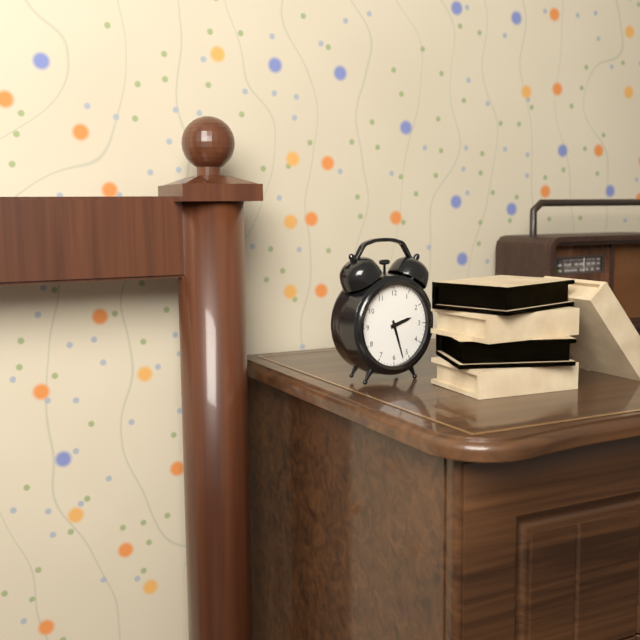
2:27
